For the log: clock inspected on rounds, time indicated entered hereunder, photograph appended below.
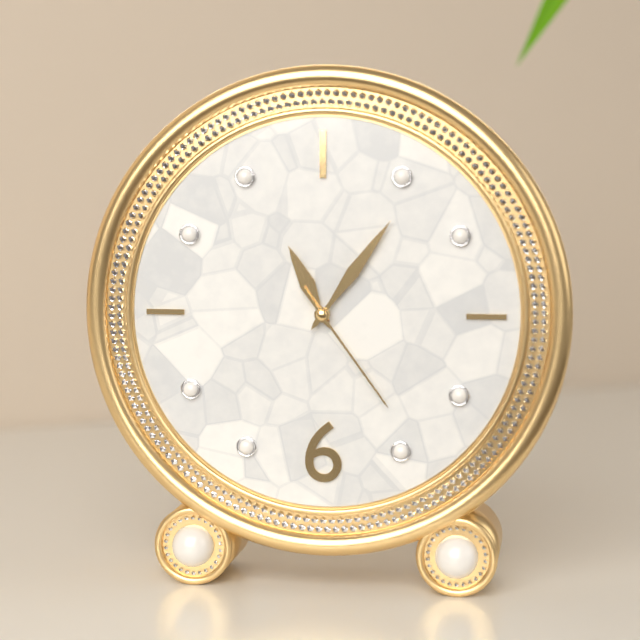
11:06:24
